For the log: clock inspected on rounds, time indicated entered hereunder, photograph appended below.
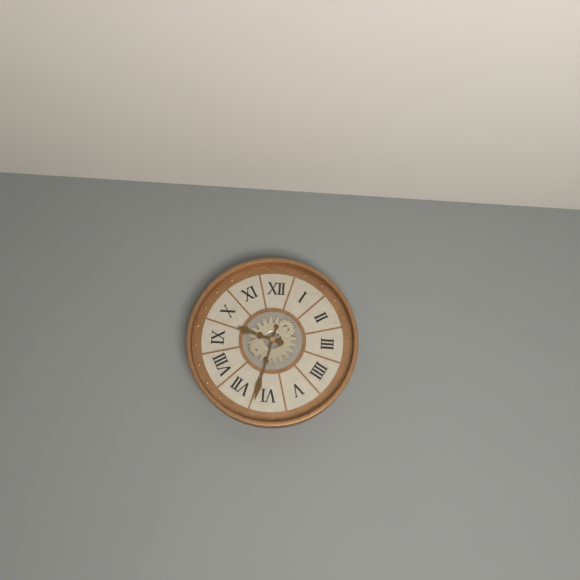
9:32
